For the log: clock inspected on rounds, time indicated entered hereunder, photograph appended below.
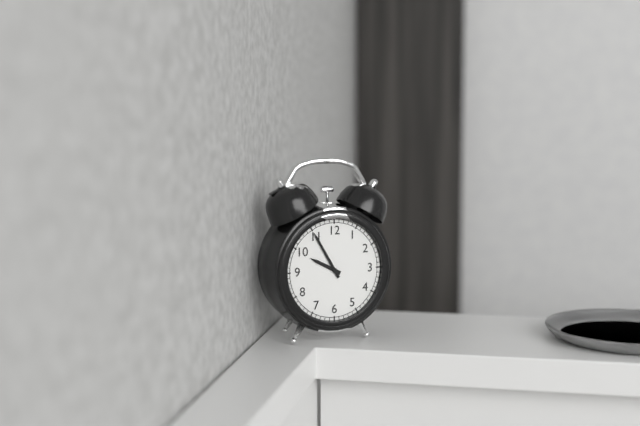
9:55
